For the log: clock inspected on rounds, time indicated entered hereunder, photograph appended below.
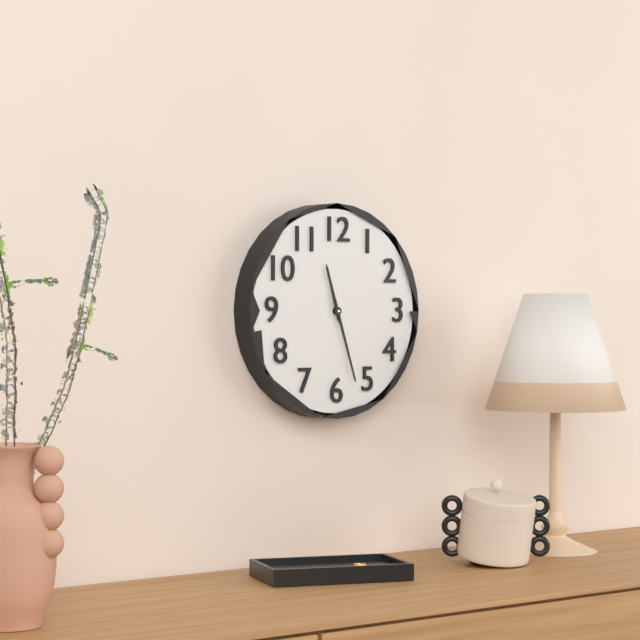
11:27
